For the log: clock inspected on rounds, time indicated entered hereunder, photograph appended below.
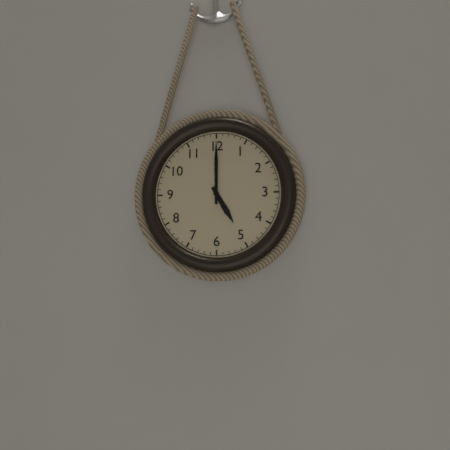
5:00
